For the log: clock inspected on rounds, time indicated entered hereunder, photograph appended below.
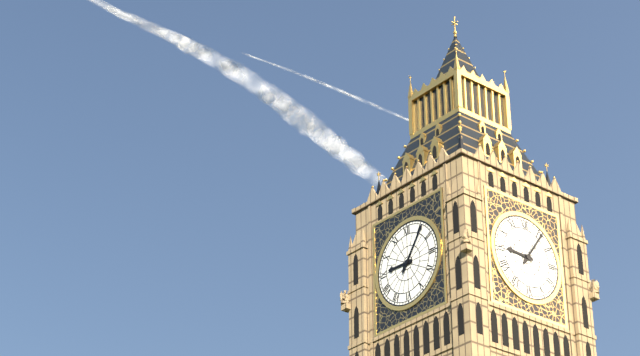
9:06
